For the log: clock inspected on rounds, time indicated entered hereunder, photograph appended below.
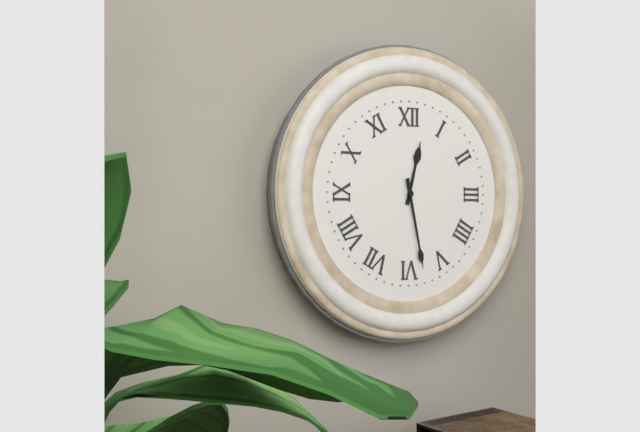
12:28
